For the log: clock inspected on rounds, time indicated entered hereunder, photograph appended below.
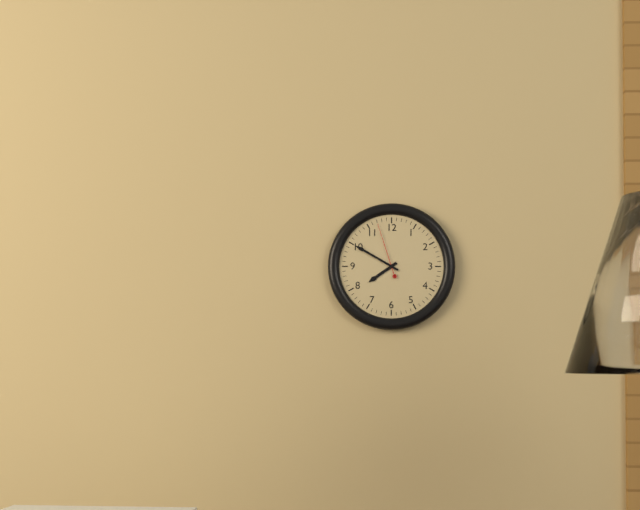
7:50:57
